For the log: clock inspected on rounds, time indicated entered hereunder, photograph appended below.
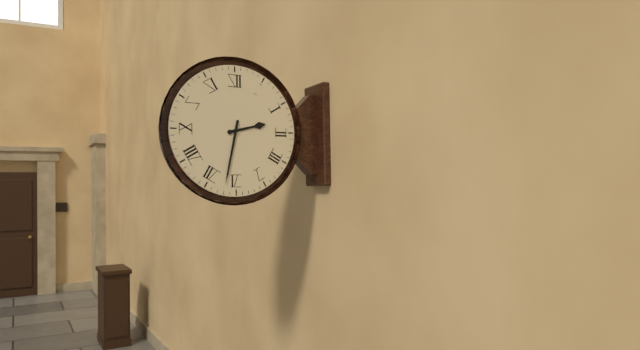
2:32
